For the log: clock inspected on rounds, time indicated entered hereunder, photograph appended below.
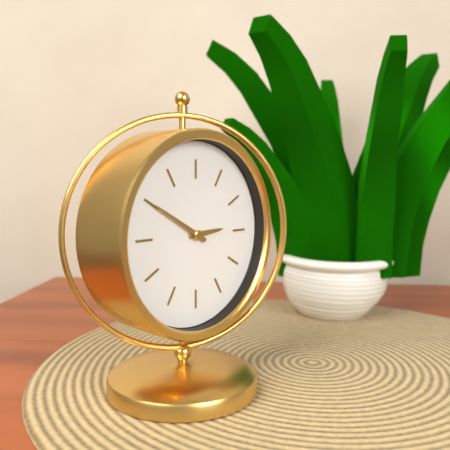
2:50
